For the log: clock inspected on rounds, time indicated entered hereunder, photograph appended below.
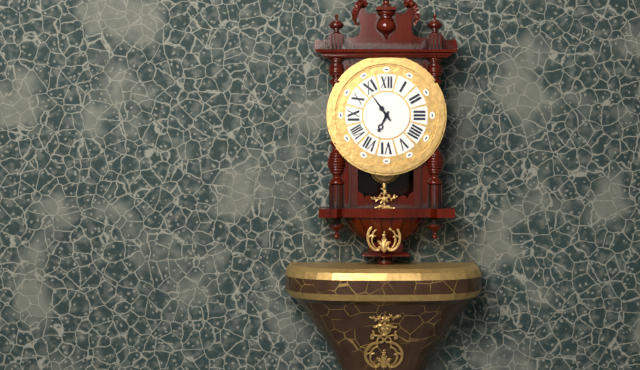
6:54
